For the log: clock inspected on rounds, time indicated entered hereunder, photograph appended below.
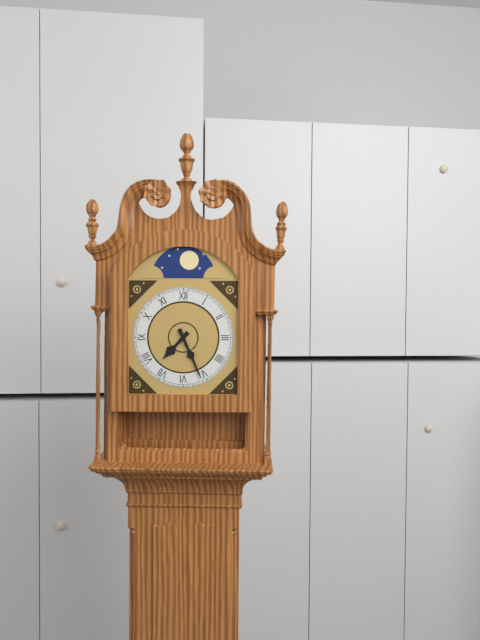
7:26
